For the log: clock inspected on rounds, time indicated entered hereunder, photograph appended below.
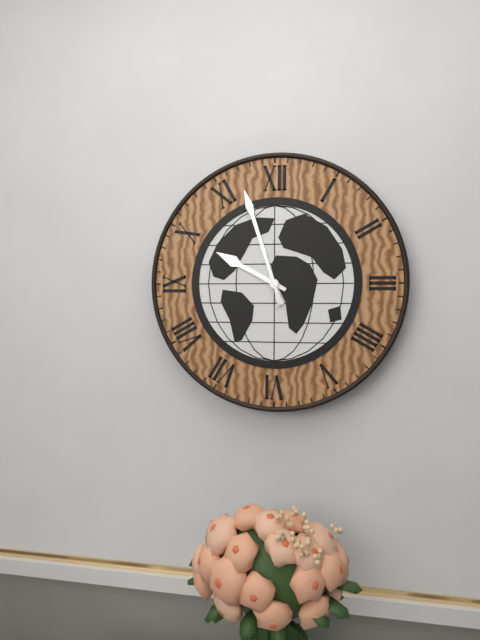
9:57
